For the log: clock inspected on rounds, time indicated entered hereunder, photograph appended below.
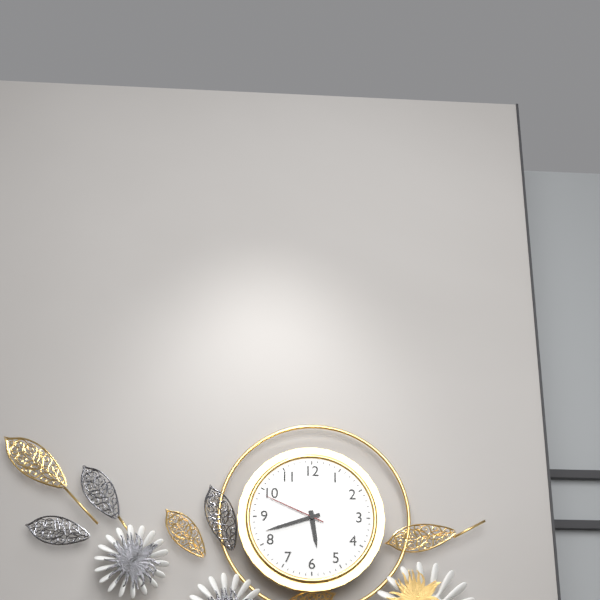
5:42:49
